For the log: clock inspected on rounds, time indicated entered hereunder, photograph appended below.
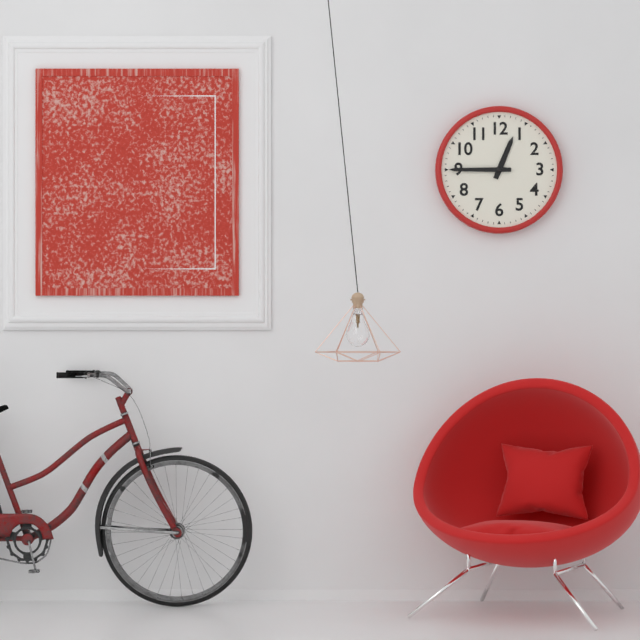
12:45
